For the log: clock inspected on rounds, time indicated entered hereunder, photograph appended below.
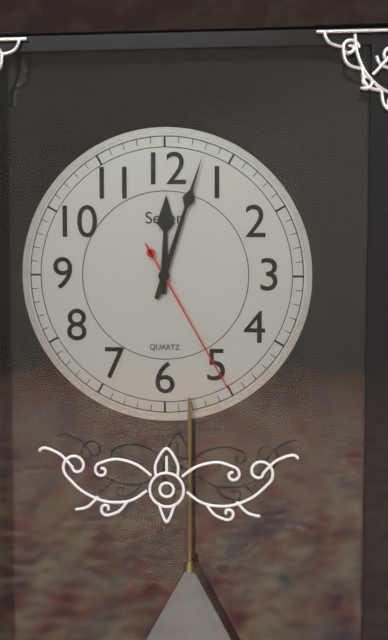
12:03:25
